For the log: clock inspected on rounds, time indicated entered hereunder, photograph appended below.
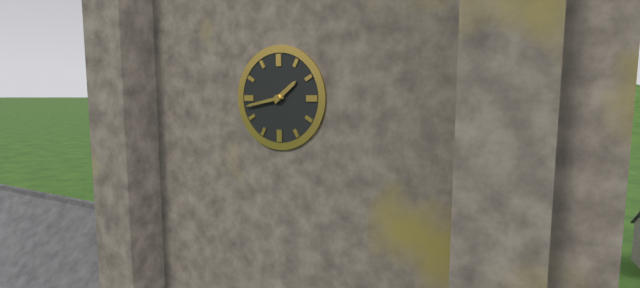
1:43
